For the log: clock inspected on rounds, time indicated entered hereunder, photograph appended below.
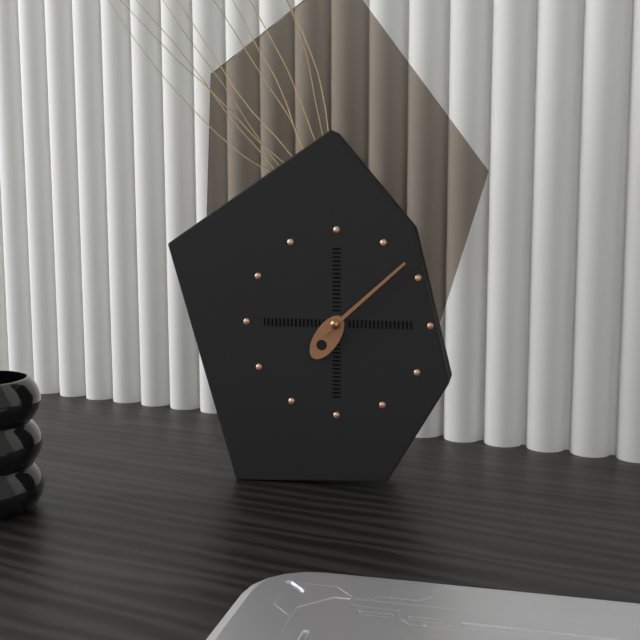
7:08
